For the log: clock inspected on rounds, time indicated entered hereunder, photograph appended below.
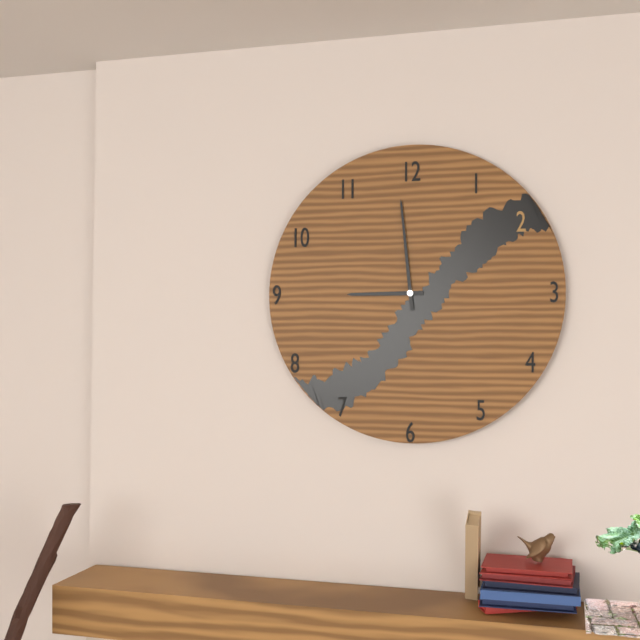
8:59
